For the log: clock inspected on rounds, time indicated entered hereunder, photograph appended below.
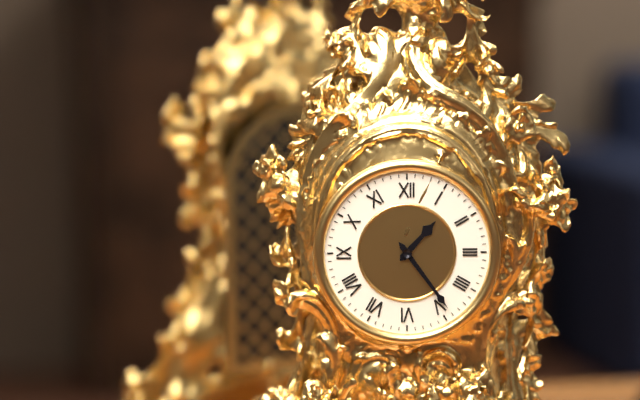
1:24
